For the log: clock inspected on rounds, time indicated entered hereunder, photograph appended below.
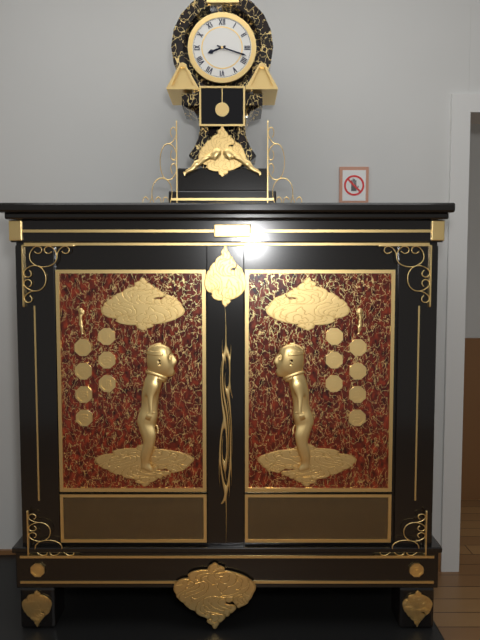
8:18
